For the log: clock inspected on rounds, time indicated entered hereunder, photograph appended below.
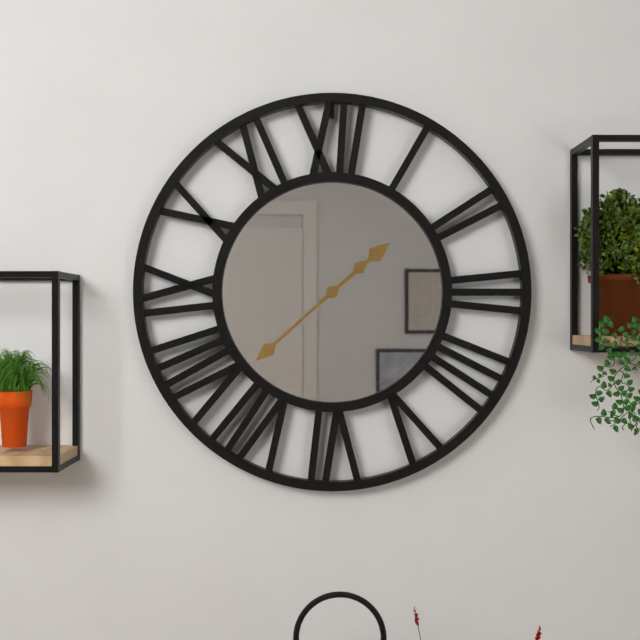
1:38
